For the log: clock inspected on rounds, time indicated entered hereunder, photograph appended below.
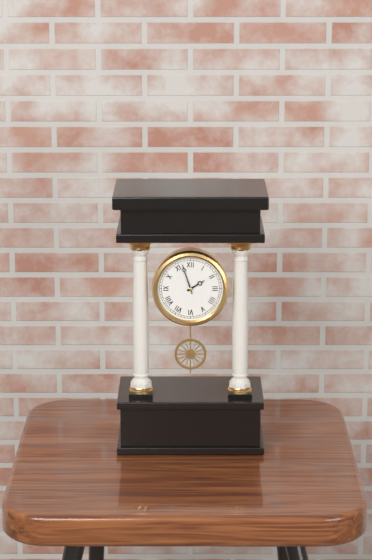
1:57
